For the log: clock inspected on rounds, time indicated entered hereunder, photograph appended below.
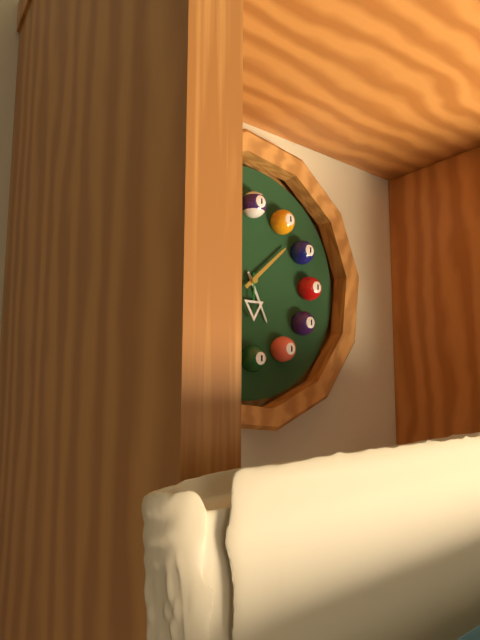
5:08:30
